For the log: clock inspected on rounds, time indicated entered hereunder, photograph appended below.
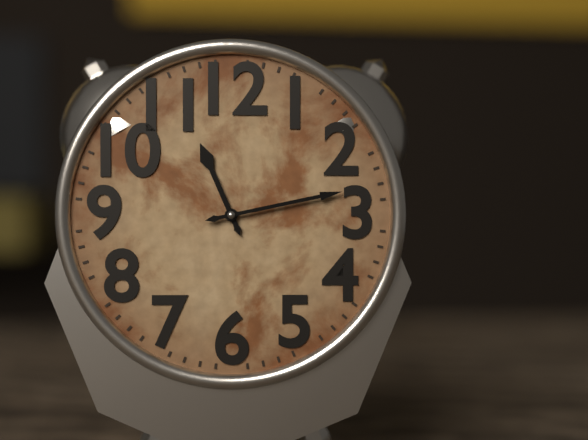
11:13
